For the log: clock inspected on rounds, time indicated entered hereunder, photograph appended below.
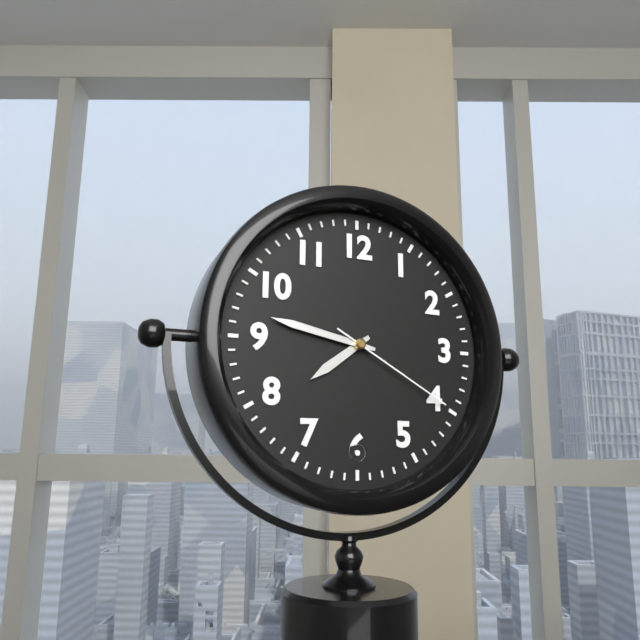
7:47:20
